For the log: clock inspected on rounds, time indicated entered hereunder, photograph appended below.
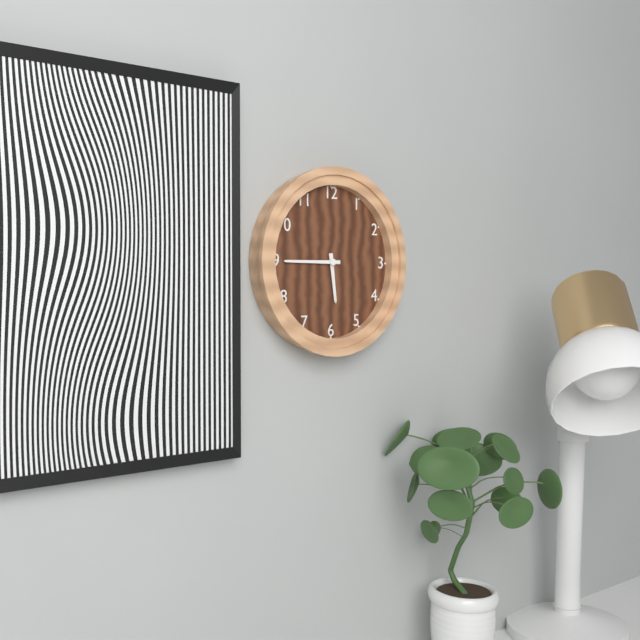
5:45
